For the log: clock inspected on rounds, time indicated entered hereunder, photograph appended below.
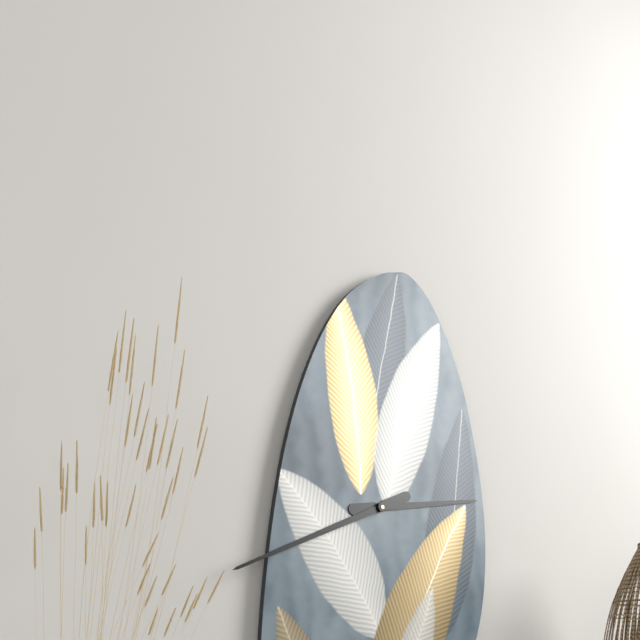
2:41
